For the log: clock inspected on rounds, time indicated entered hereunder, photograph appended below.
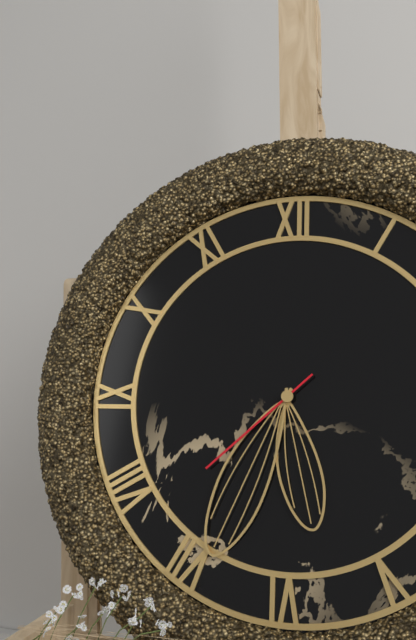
5:34:38
